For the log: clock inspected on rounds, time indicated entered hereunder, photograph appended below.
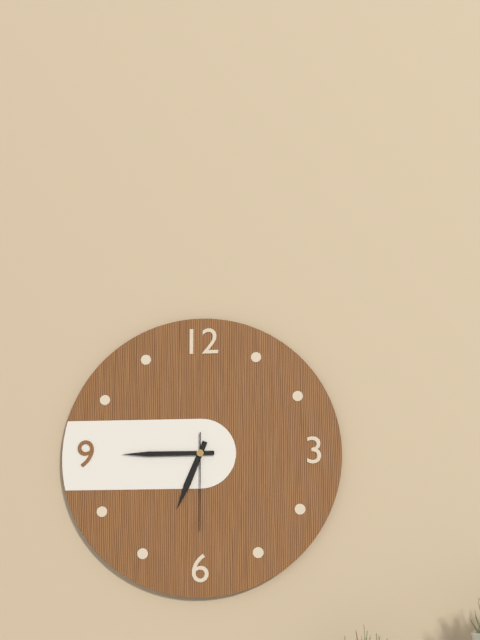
6:45:30
